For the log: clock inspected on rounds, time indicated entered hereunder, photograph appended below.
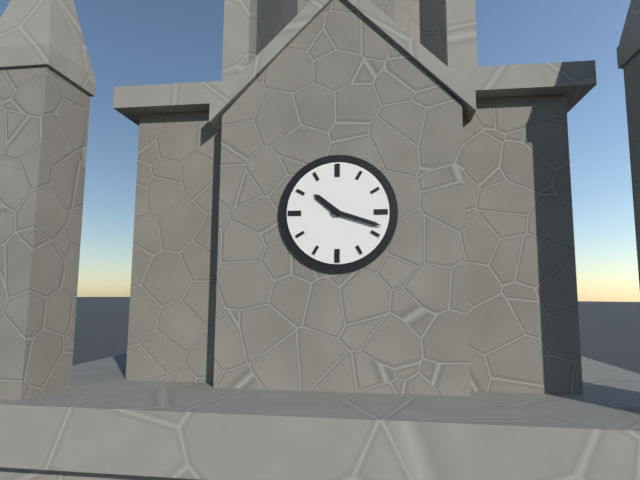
10:18
